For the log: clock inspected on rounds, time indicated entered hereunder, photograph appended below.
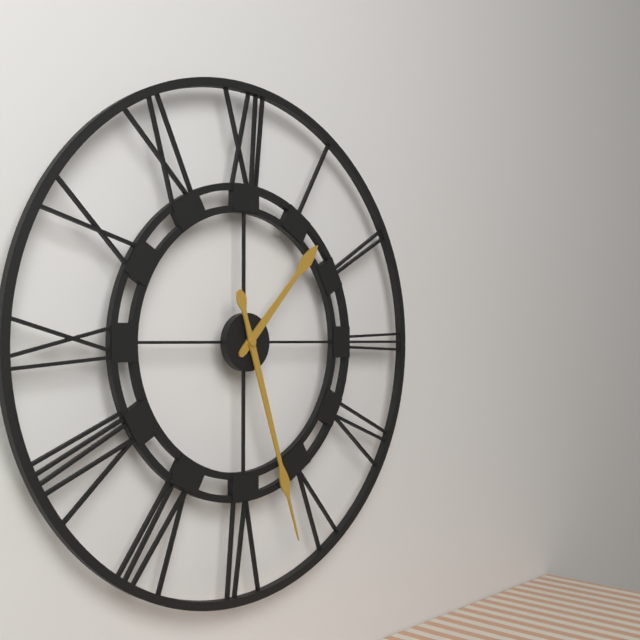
1:27
